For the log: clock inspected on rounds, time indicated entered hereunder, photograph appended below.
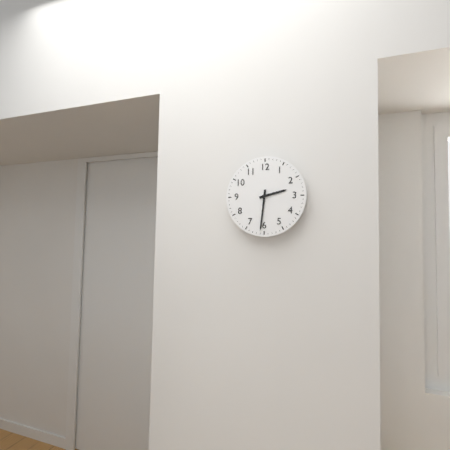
2:31
